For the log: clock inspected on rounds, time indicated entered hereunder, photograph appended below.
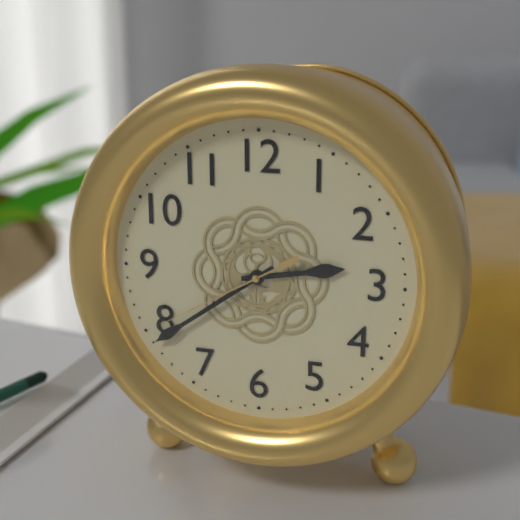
2:39:40
